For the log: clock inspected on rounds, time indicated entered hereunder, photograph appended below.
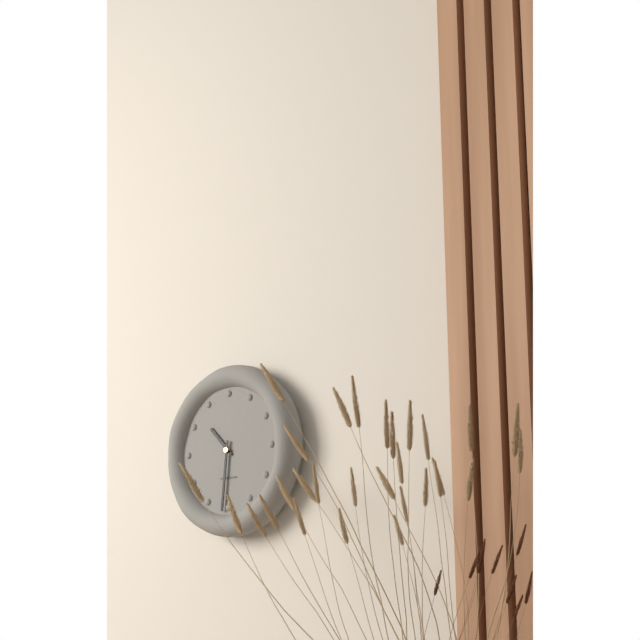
10:31
